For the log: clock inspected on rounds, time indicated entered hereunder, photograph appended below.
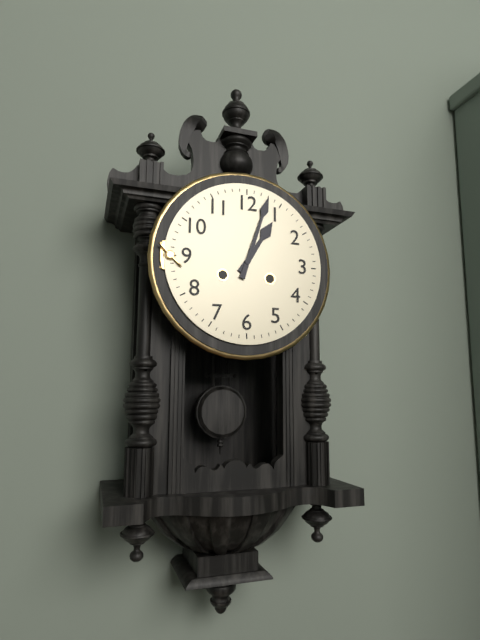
1:03
